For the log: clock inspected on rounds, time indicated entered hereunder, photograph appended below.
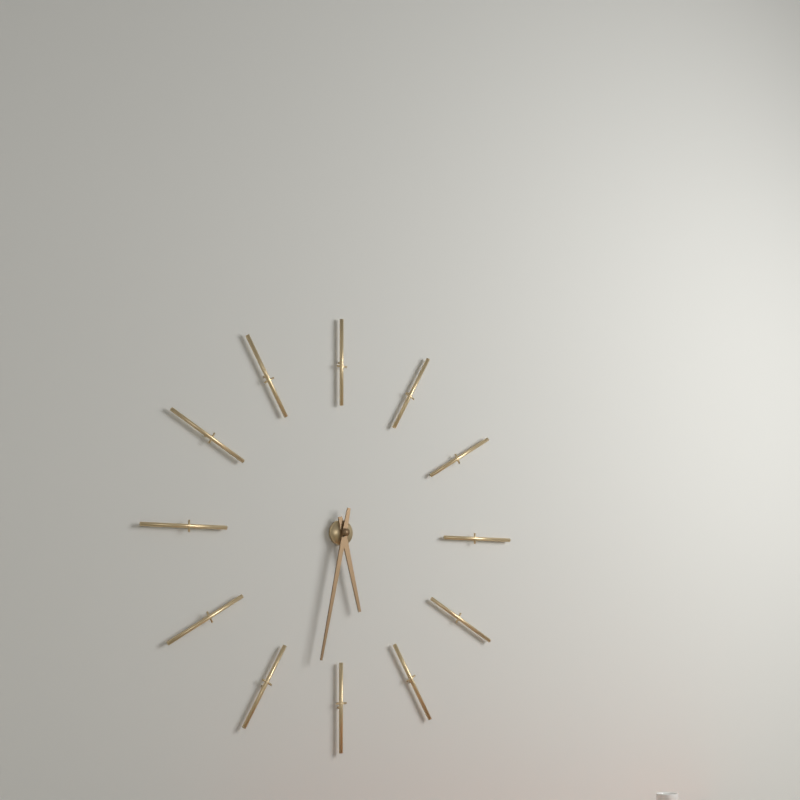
5:32
